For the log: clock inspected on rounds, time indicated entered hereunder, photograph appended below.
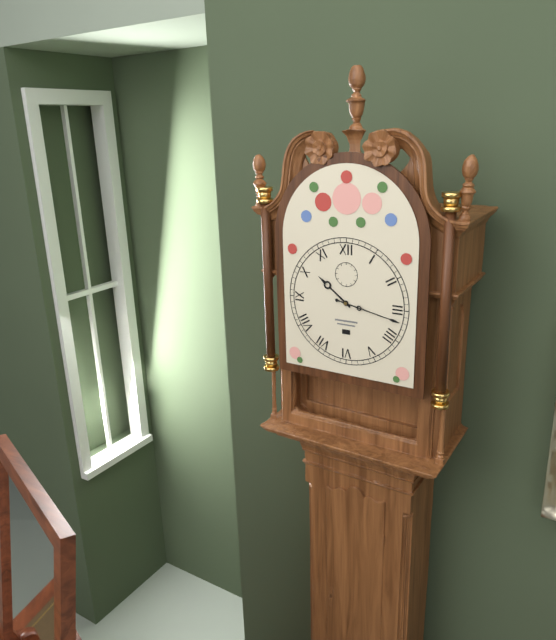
10:17
